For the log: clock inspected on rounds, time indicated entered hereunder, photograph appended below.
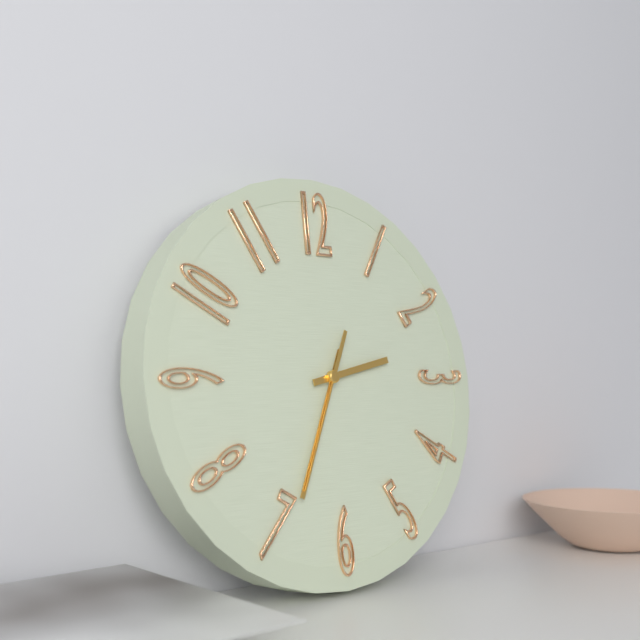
2:34:34
